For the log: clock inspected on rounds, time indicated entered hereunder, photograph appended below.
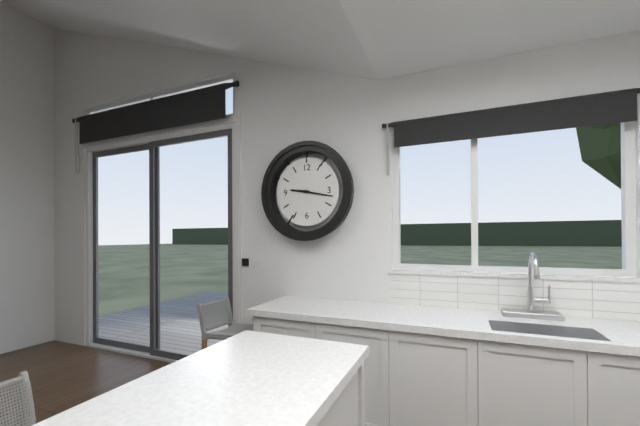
9:17
